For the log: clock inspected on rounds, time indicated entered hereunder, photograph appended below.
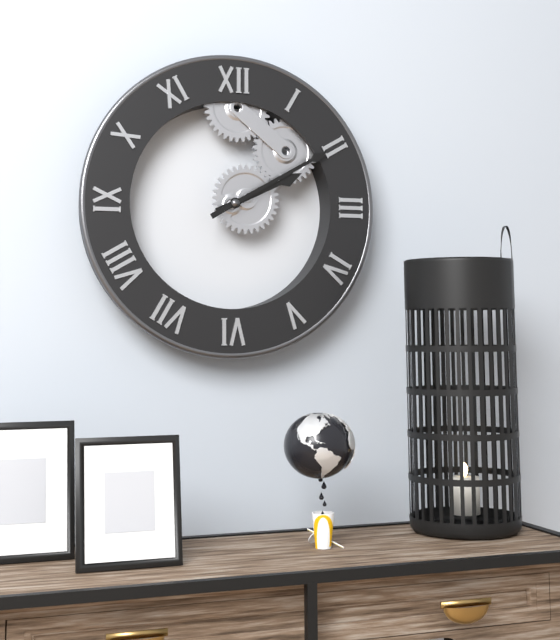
2:10
